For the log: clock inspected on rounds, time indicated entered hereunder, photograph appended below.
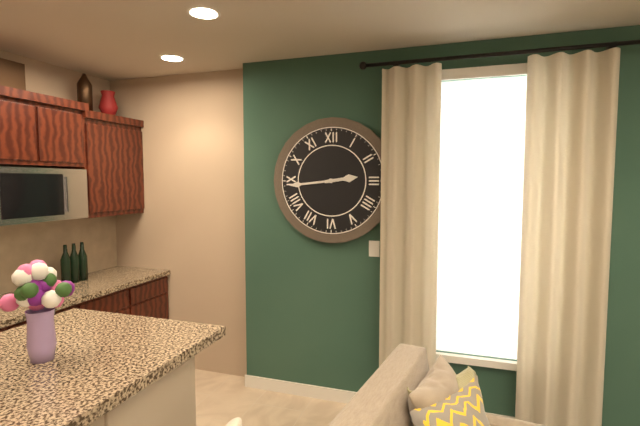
2:44
